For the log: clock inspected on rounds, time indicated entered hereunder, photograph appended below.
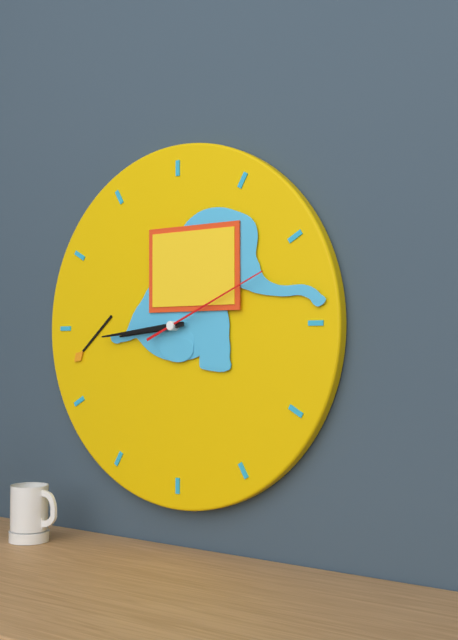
8:44:11
